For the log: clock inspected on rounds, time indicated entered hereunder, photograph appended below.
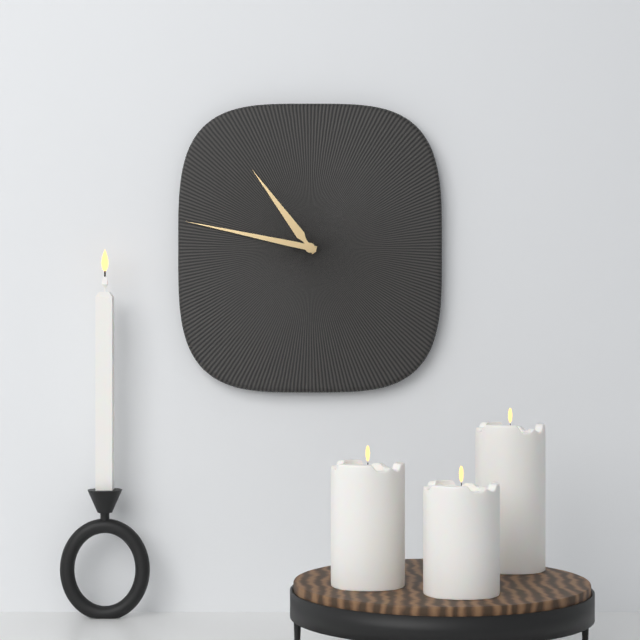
10:47
